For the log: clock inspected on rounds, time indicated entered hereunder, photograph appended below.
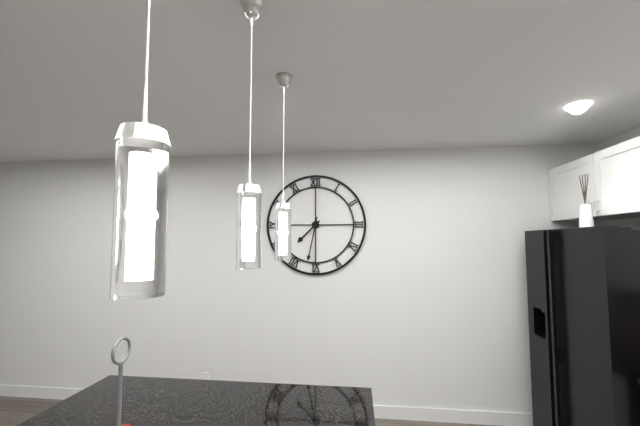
7:32
